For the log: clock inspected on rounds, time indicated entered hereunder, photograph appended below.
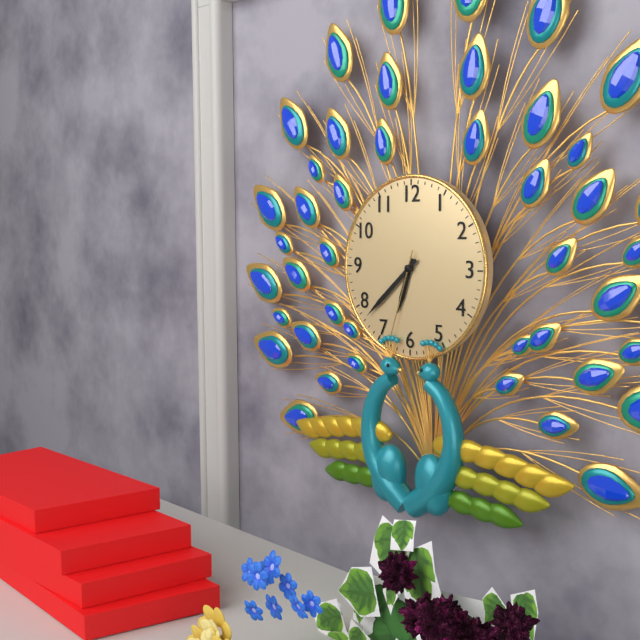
6:38:33
